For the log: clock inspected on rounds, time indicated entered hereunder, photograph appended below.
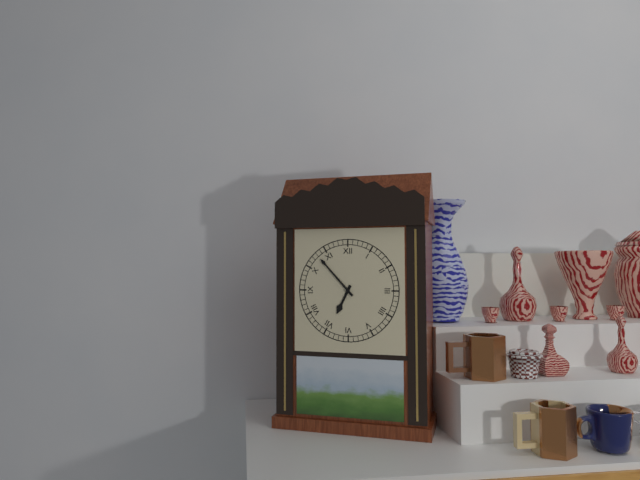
6:53
